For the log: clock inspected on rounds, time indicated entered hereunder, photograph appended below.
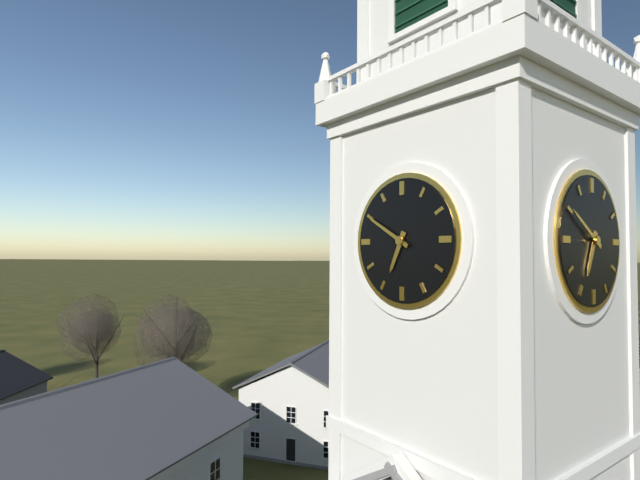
6:50
